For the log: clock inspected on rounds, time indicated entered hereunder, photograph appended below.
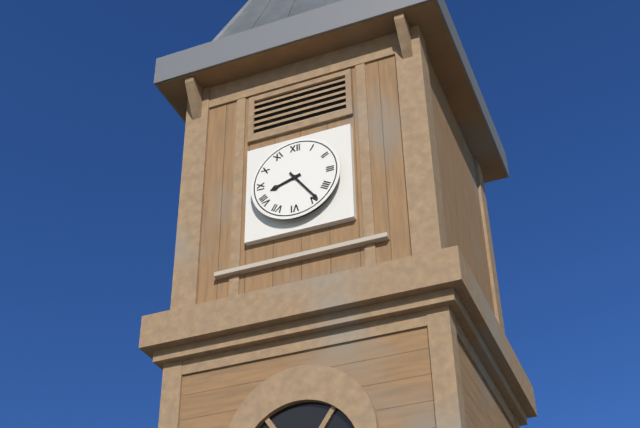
8:24
